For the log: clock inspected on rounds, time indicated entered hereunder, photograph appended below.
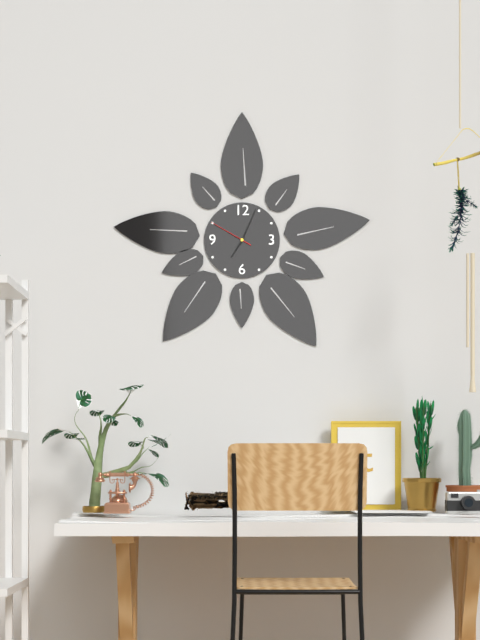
7:04
